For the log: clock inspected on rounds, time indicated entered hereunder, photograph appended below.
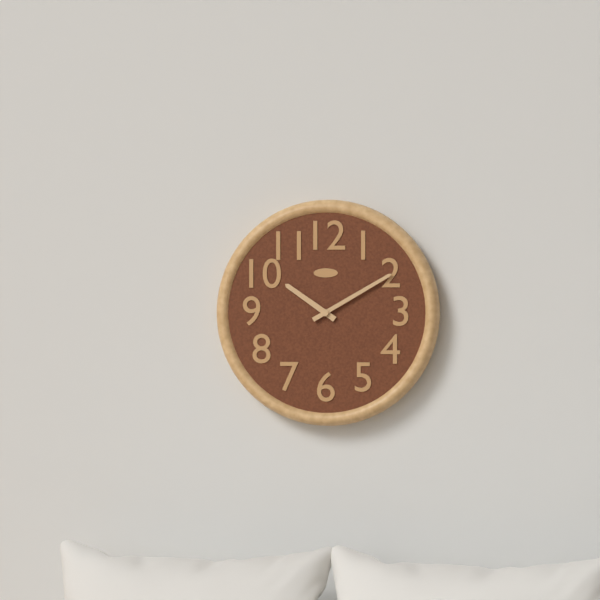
10:10
